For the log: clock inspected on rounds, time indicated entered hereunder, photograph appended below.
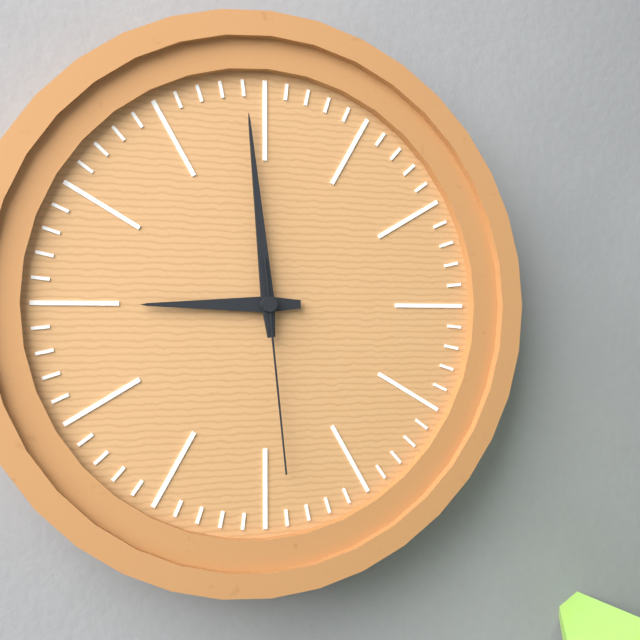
8:59:29
